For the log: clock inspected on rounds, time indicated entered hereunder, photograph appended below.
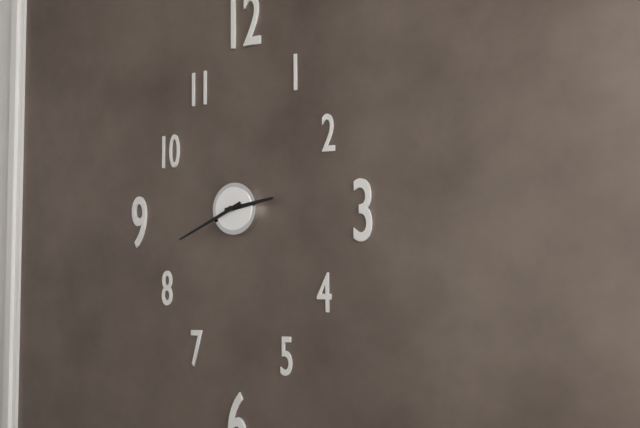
2:41
